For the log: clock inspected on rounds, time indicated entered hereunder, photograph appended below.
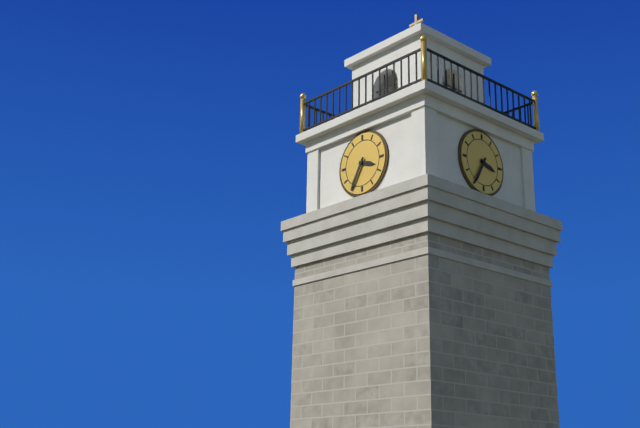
3:35
